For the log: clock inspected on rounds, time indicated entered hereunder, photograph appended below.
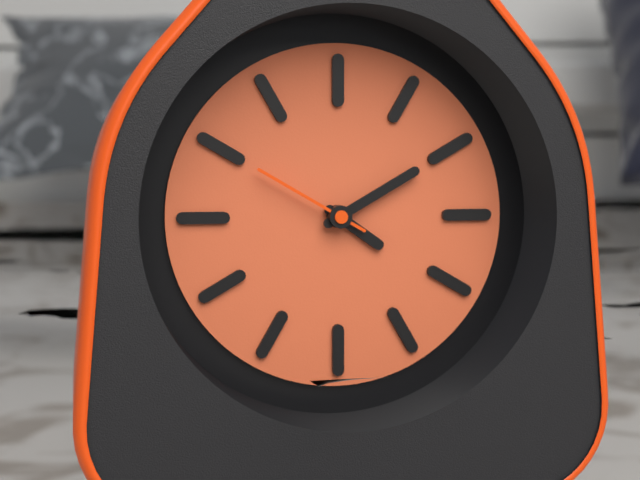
4:10:50
